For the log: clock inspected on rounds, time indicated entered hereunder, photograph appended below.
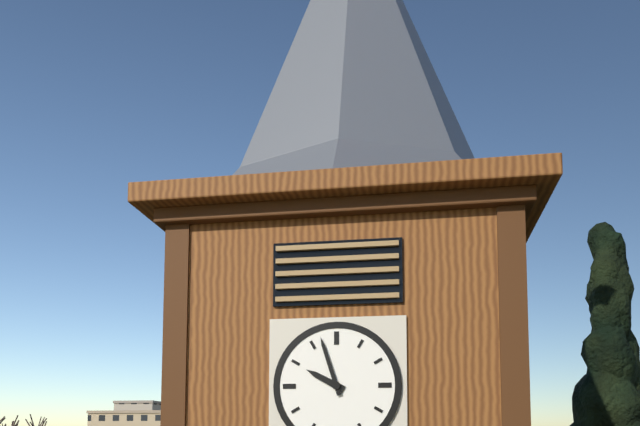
9:57
